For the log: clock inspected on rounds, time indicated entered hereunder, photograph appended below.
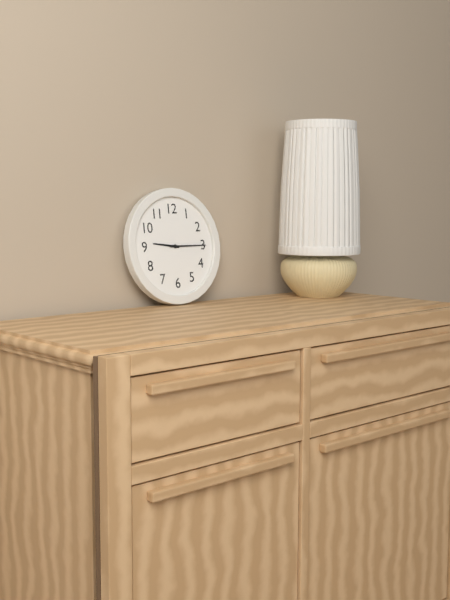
9:15
